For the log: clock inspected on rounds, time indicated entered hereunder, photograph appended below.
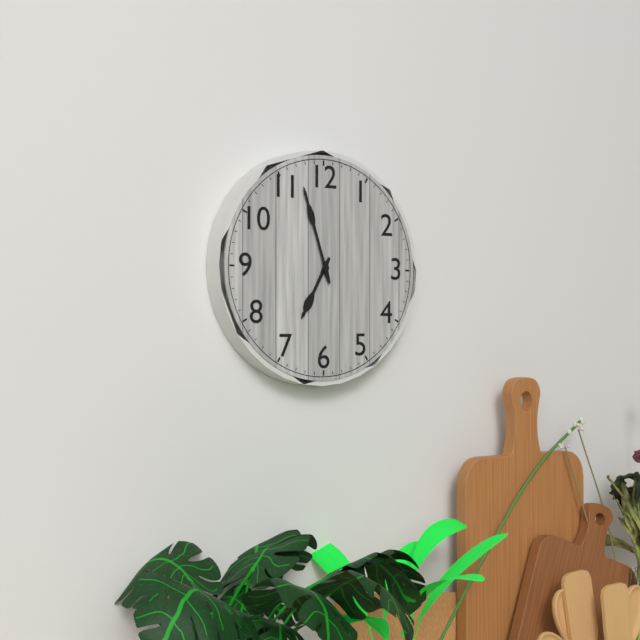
6:57
